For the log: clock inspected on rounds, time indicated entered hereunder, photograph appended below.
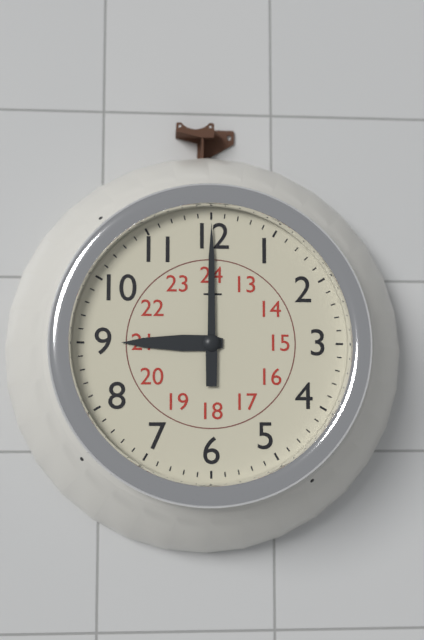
9:00
